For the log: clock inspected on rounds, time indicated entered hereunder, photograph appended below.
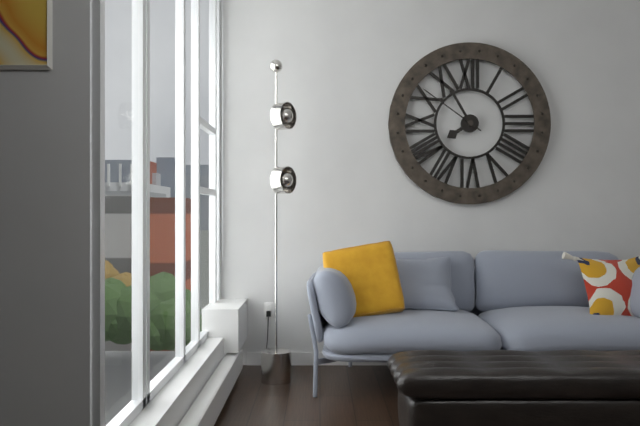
7:55:51
